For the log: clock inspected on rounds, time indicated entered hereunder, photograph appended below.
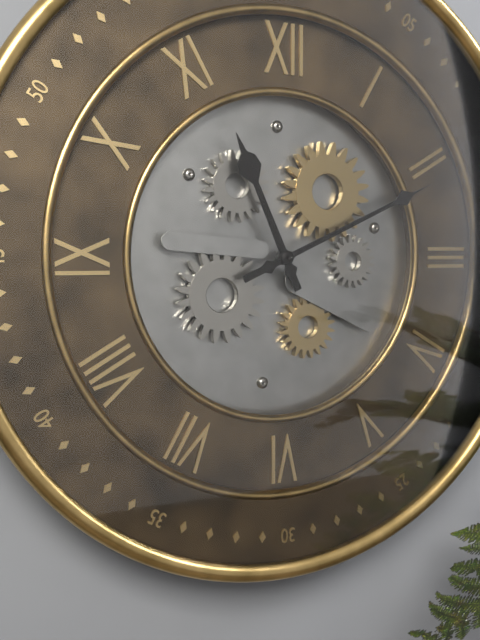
11:11
